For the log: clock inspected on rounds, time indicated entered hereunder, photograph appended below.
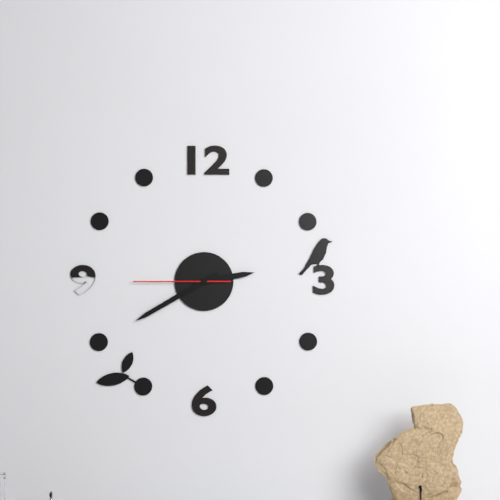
2:40:45
